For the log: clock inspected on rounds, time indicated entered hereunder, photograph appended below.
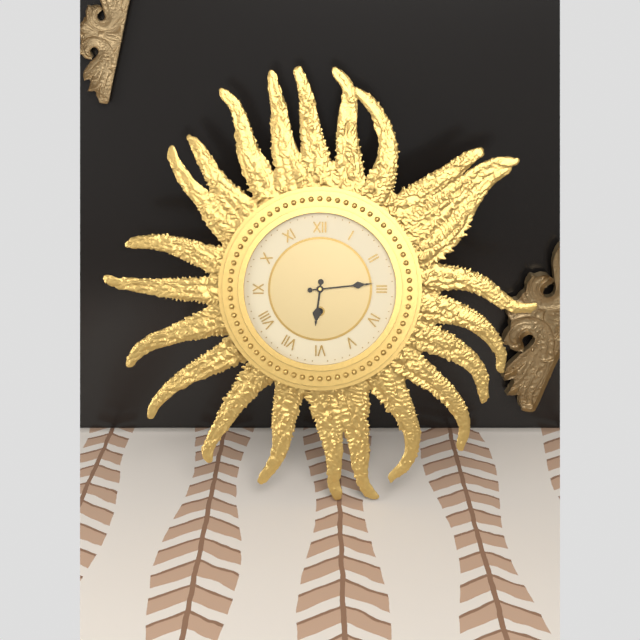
6:14
